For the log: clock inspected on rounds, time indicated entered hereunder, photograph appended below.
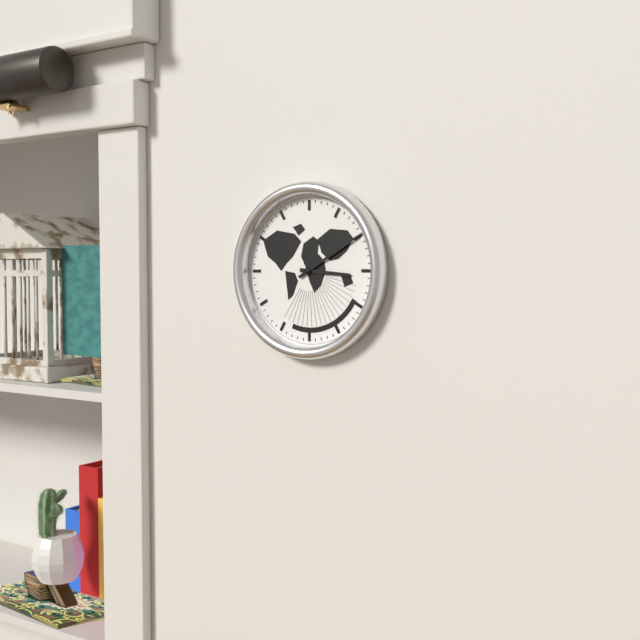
3:10
